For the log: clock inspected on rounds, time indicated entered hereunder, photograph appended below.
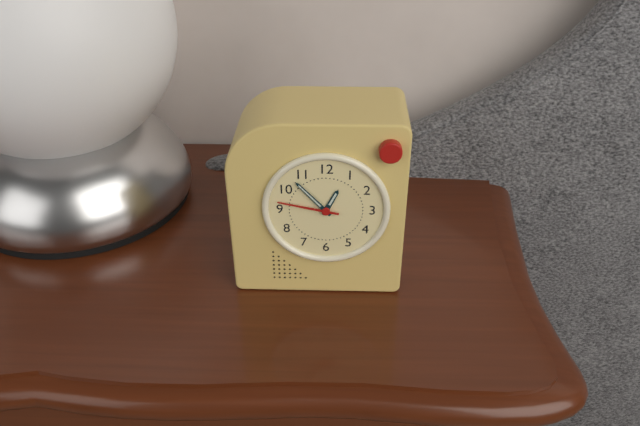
12:53:47
